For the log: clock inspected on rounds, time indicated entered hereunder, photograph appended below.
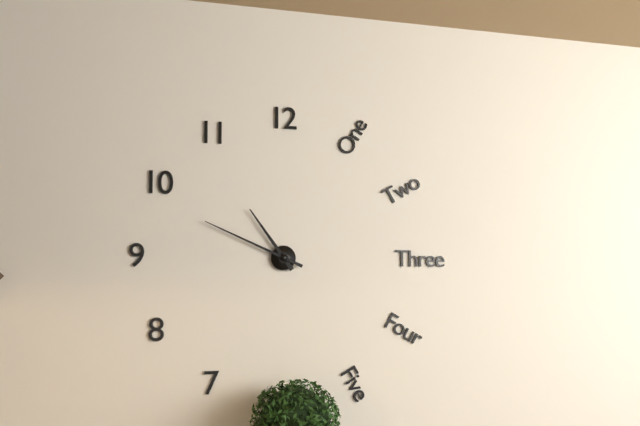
10:49
